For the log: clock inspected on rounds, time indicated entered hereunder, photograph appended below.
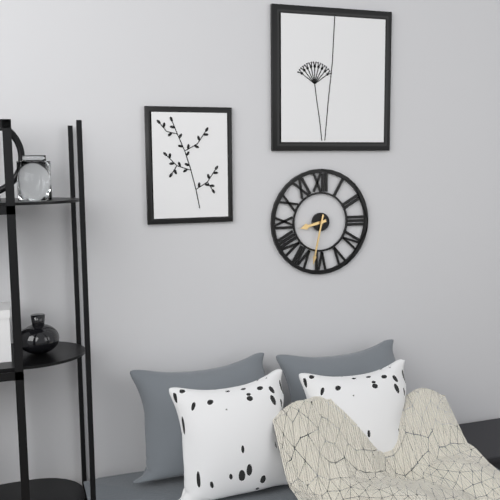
8:32
